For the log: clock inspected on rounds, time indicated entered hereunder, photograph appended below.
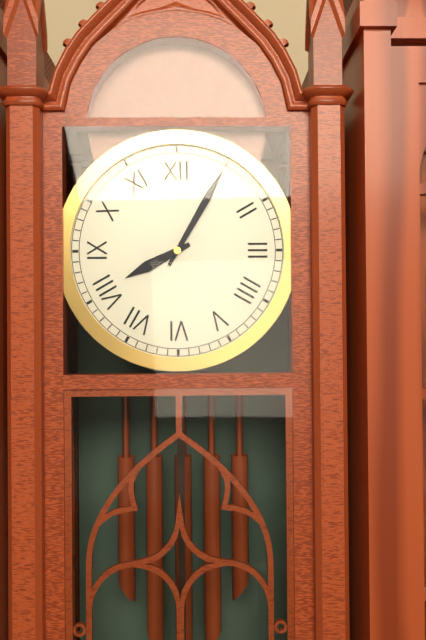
8:05
